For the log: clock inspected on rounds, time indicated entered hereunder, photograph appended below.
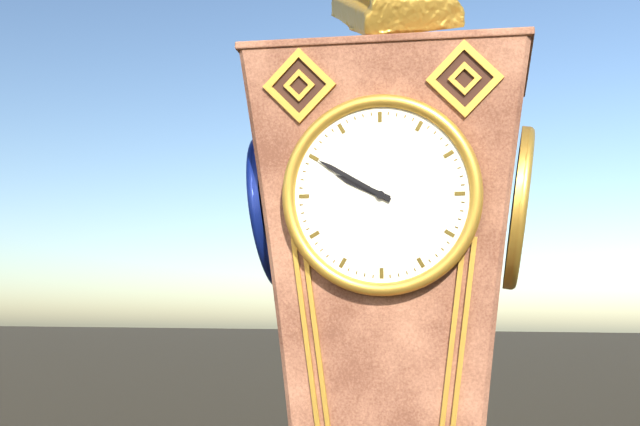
9:50
